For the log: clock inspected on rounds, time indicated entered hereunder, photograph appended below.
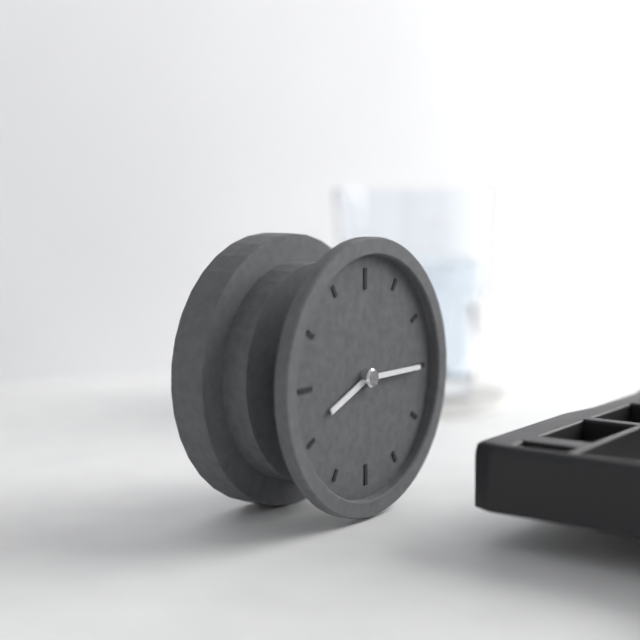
8:15
